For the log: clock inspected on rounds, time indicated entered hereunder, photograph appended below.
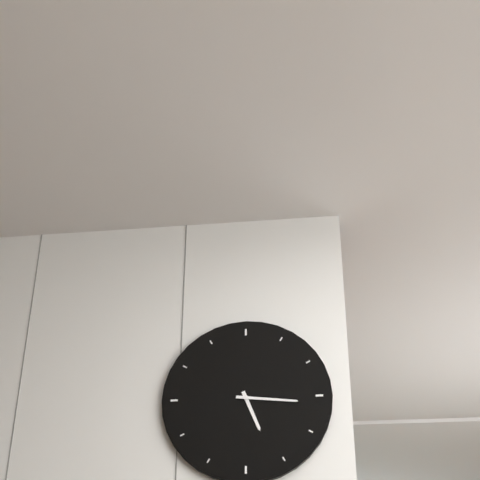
5:16
